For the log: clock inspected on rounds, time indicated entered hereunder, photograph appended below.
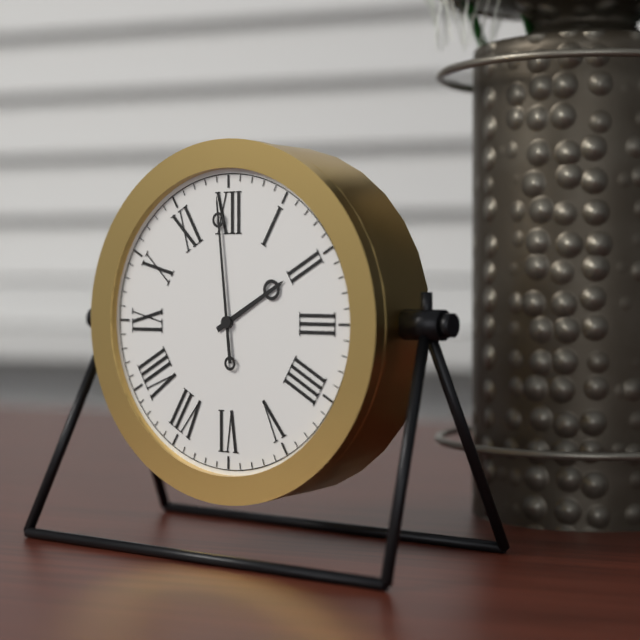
1:59
